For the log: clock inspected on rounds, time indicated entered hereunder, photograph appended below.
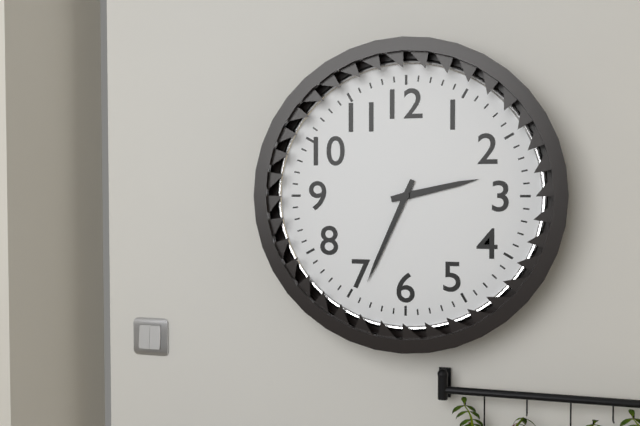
2:34
